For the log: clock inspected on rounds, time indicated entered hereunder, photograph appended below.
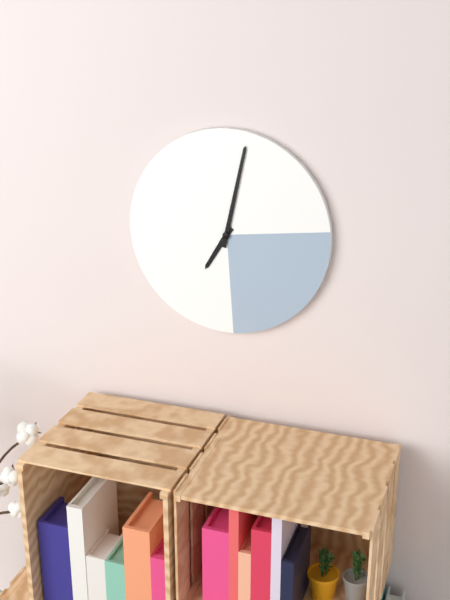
7:02
